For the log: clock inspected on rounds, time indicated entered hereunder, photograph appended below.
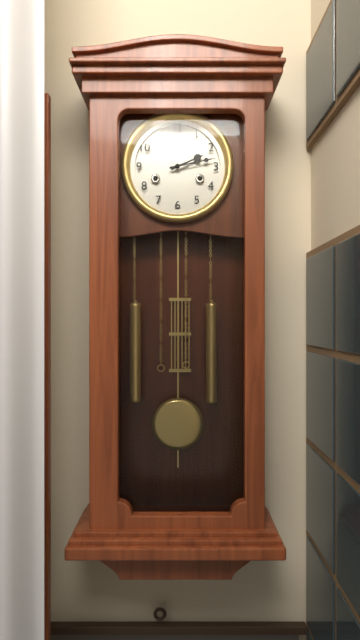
2:13
